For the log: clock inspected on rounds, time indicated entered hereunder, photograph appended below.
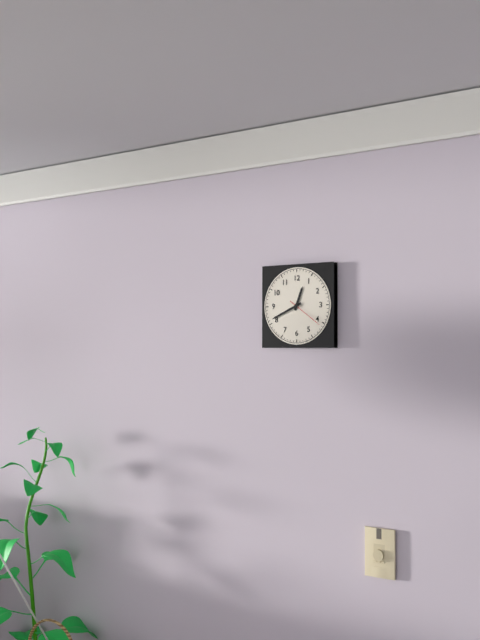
12:41
